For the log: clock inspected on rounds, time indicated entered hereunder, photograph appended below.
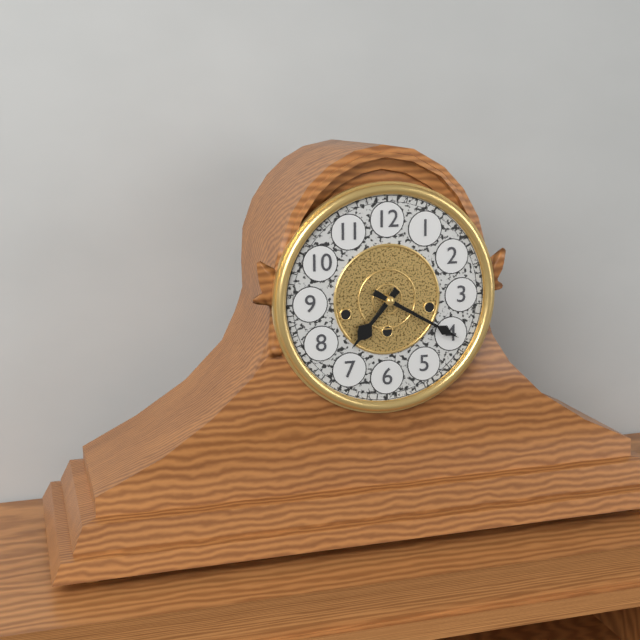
7:20
